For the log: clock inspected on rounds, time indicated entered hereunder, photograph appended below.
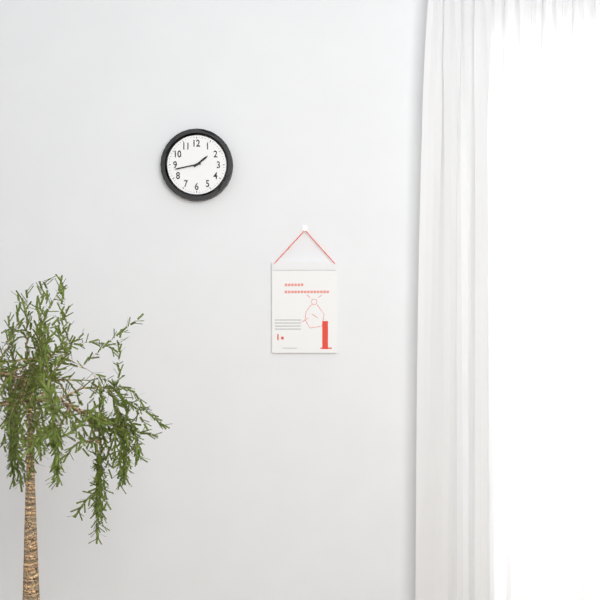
1:43
